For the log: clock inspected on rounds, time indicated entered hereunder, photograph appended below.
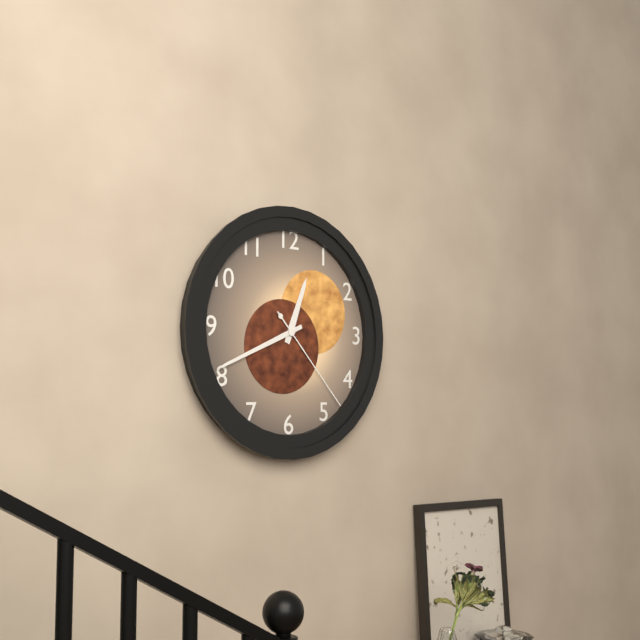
12:41:23
